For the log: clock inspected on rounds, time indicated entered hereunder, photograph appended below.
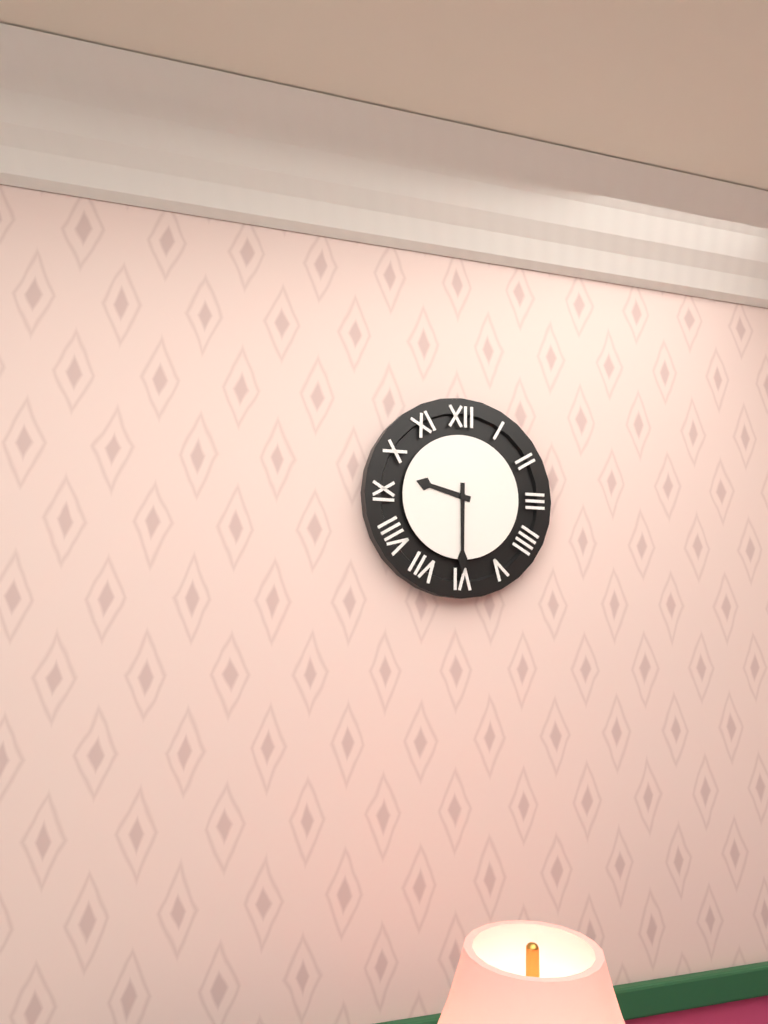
9:30
